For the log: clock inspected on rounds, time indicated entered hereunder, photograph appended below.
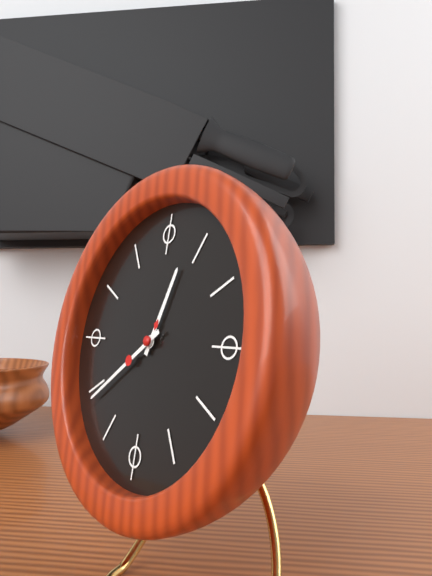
12:39
